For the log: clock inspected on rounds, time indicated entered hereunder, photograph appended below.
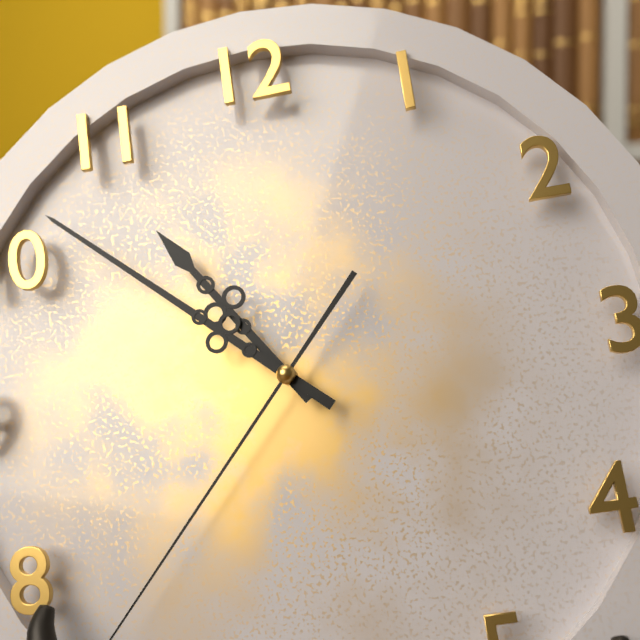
10:52
